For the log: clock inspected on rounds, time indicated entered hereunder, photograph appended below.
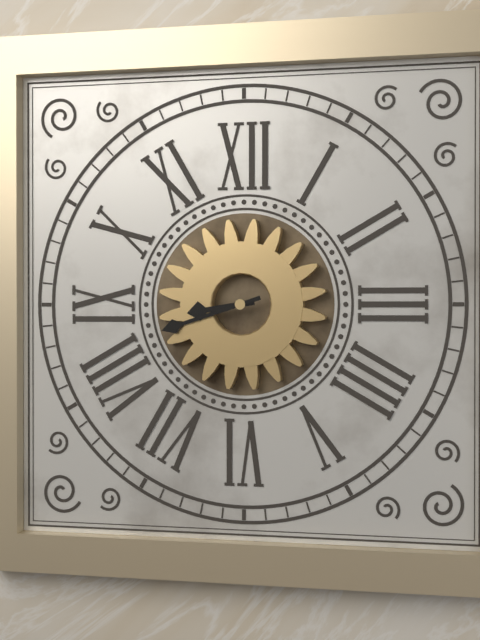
8:42
